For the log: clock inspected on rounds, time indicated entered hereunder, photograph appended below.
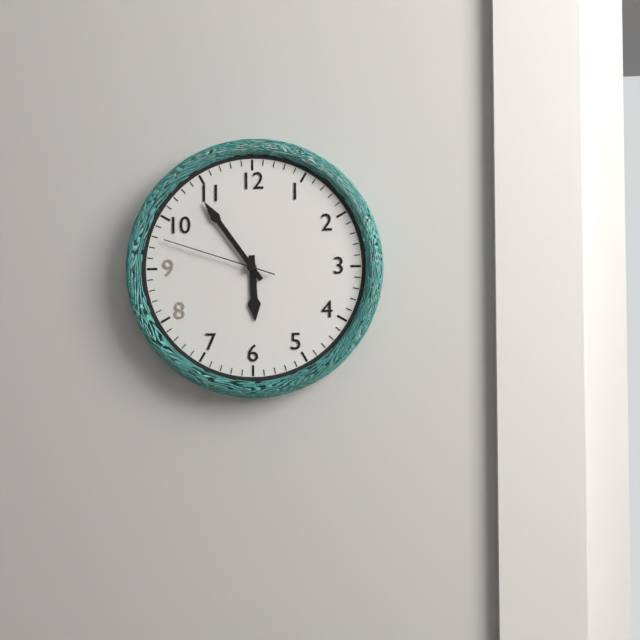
5:54:48
